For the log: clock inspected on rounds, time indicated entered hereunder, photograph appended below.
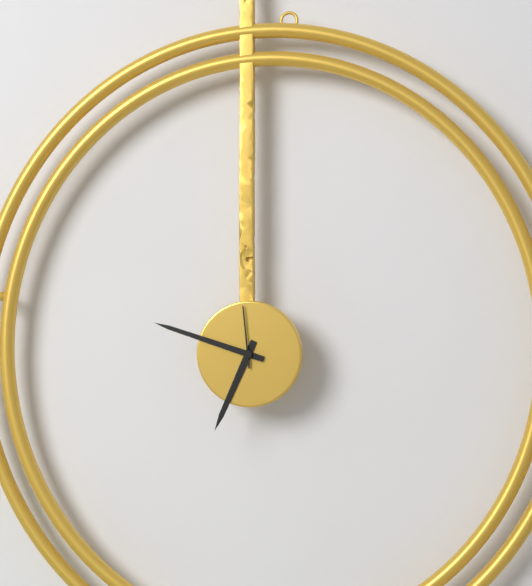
6:48:59
